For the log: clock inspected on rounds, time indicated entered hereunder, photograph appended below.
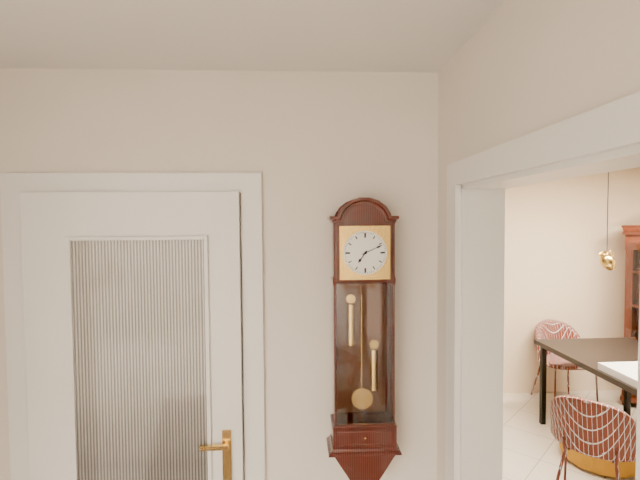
7:11
